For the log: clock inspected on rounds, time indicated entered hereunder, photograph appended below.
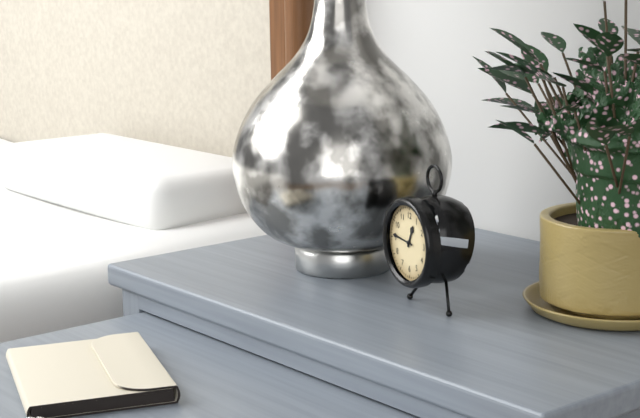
12:46
